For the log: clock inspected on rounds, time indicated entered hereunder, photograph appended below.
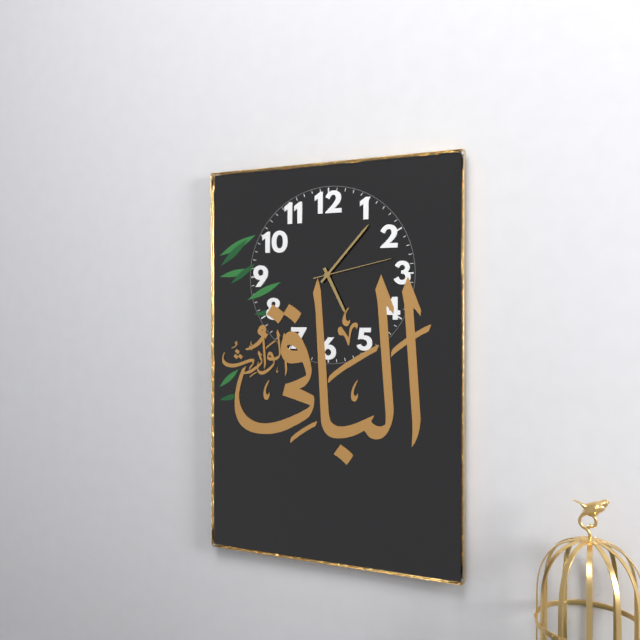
5:07:13
